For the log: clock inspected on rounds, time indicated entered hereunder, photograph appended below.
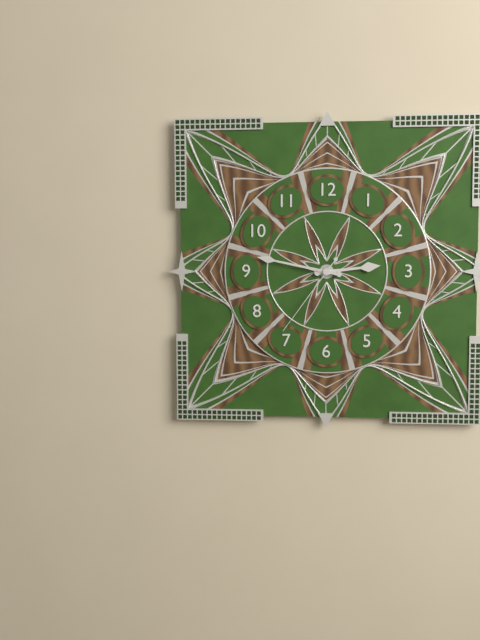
2:47:36
